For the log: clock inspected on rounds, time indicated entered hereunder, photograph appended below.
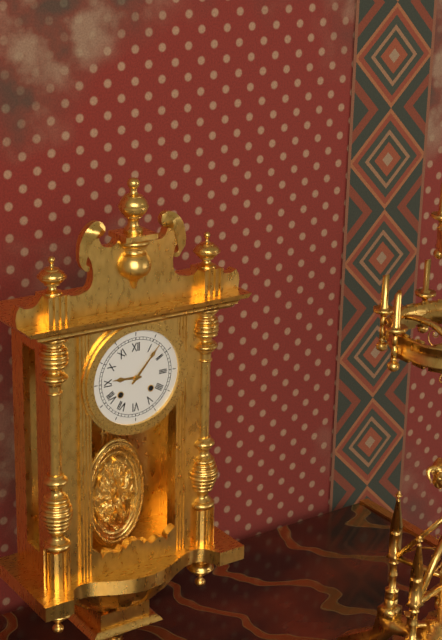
9:07
